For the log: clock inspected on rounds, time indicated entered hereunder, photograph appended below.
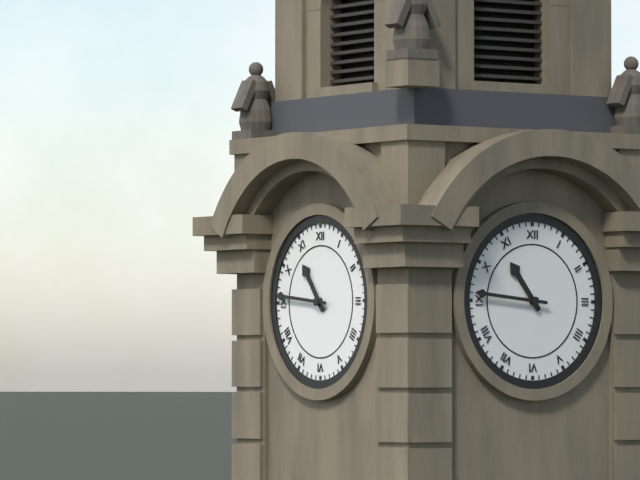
10:46
